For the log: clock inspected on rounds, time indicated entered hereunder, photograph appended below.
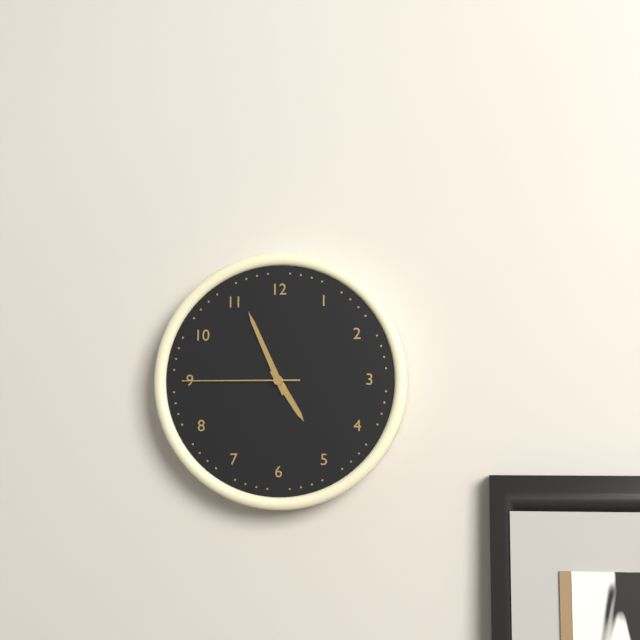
4:56:45
